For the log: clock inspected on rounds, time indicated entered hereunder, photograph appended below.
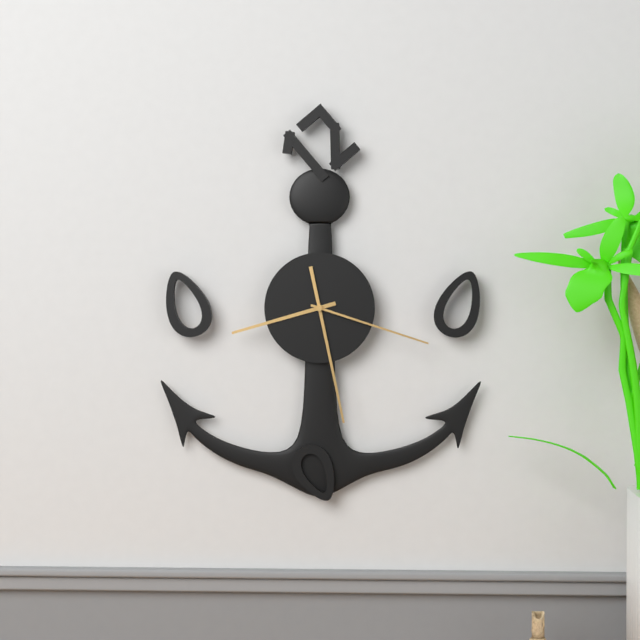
8:28:18
